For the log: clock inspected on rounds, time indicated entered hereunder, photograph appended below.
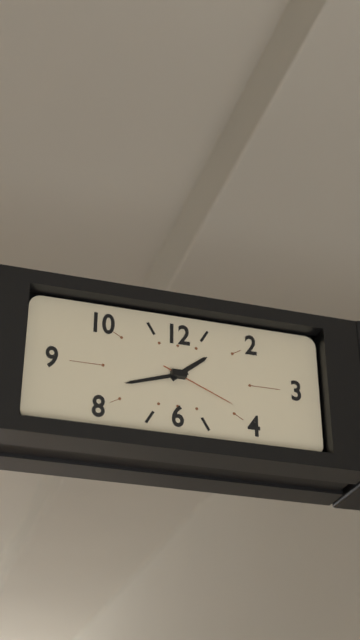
1:42:19
